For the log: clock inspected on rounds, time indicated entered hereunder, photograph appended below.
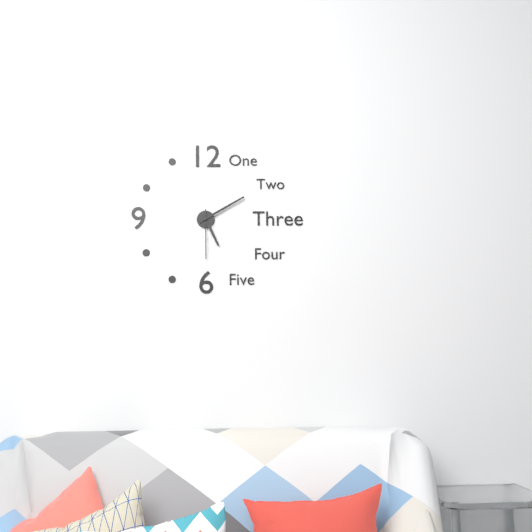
5:10:30
